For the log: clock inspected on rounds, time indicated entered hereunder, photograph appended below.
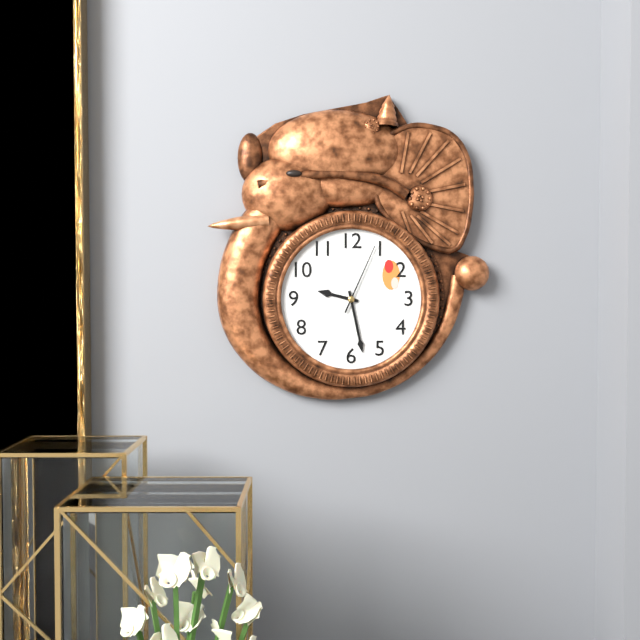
9:28:04
